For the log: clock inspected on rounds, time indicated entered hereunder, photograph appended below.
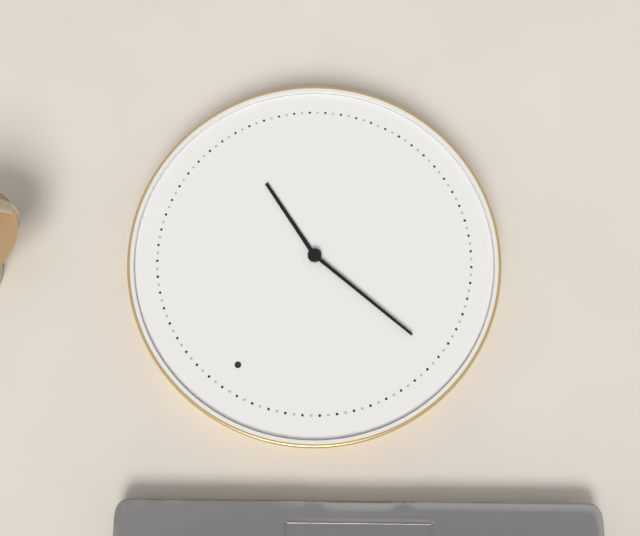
3:46
